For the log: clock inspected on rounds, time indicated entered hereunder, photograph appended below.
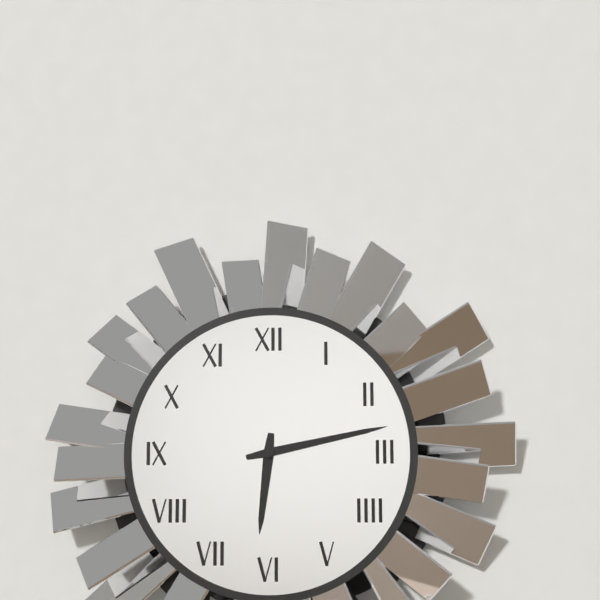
6:13
